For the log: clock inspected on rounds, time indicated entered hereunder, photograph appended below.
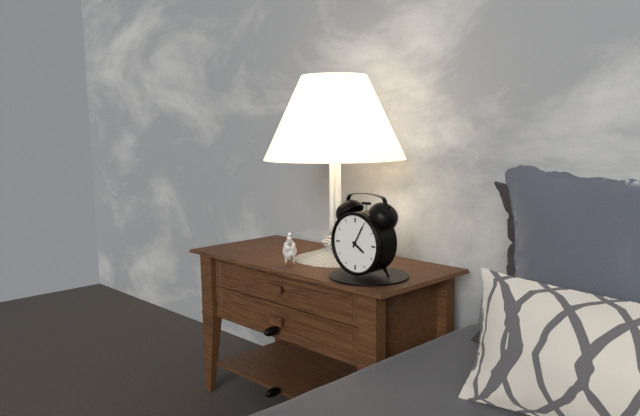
4:05
